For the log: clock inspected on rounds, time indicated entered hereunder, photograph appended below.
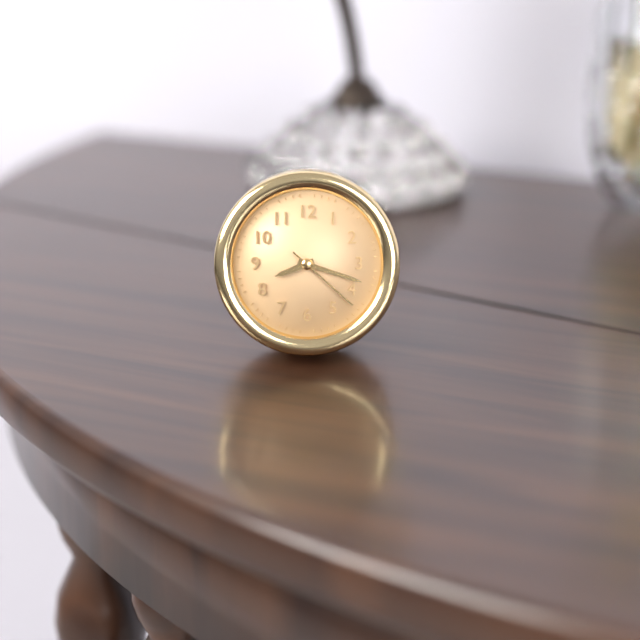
8:18:22
